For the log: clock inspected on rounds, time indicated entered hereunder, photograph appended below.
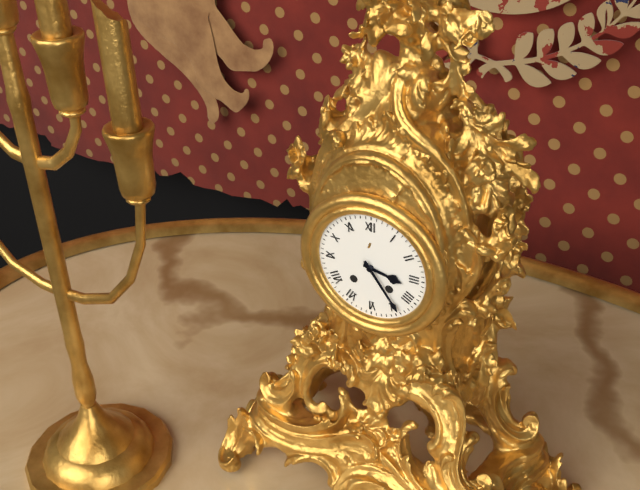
3:24
